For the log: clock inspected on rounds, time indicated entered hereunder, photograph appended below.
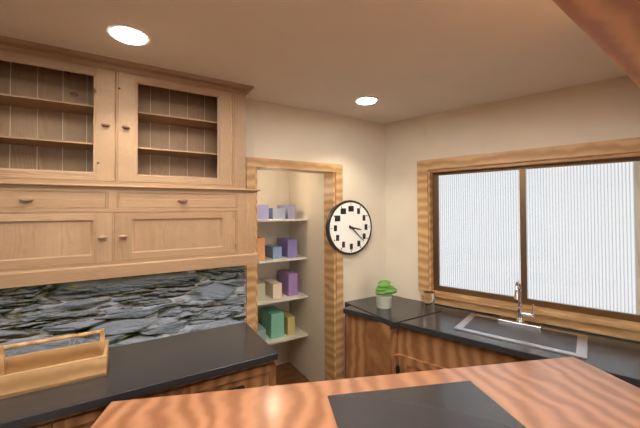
3:22
